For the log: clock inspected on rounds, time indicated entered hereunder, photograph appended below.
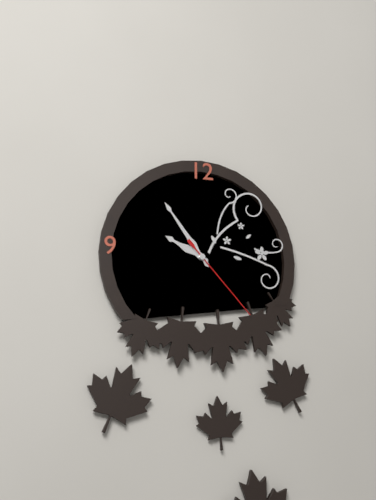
9:54:23
